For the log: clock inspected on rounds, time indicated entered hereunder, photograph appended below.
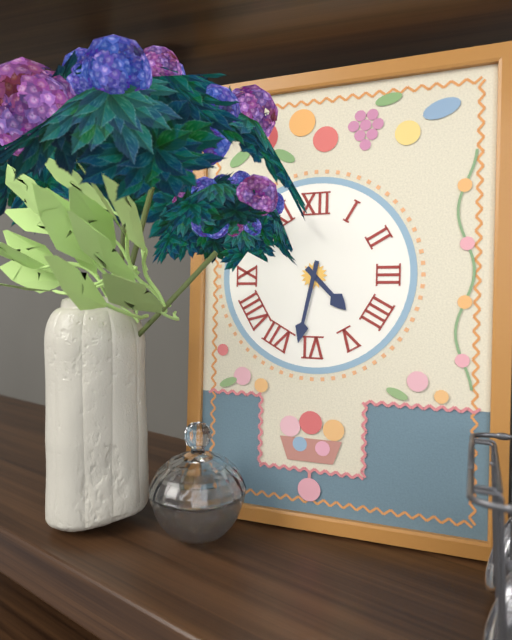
4:32
